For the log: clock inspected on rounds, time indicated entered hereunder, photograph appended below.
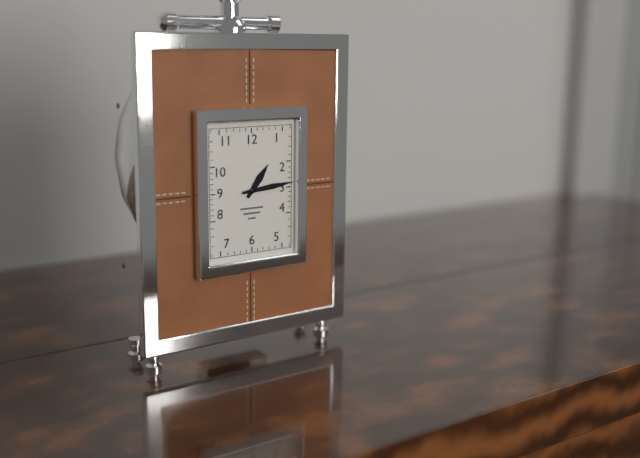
1:14
